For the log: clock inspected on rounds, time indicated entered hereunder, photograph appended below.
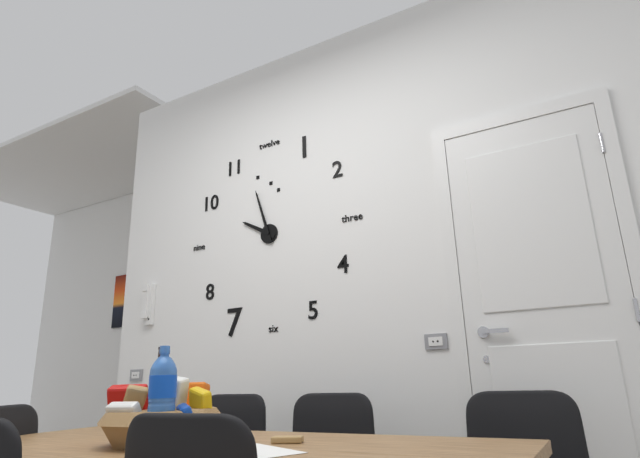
9:57
